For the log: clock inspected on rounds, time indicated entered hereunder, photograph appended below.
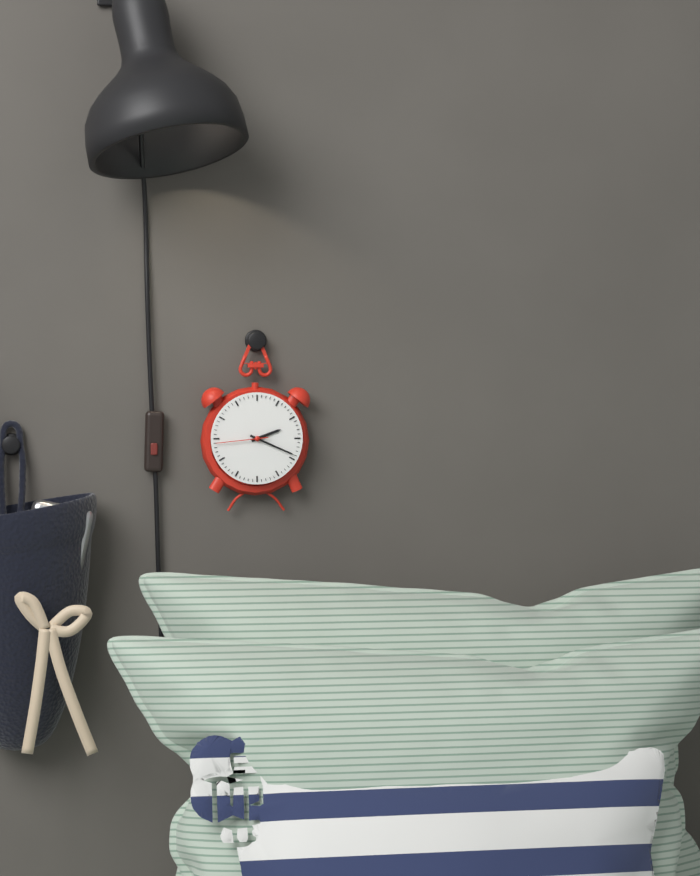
2:19:44
